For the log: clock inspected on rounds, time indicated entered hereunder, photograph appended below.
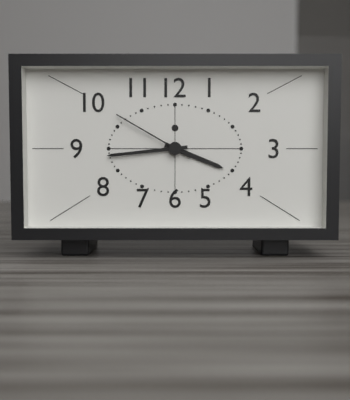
3:44:50
